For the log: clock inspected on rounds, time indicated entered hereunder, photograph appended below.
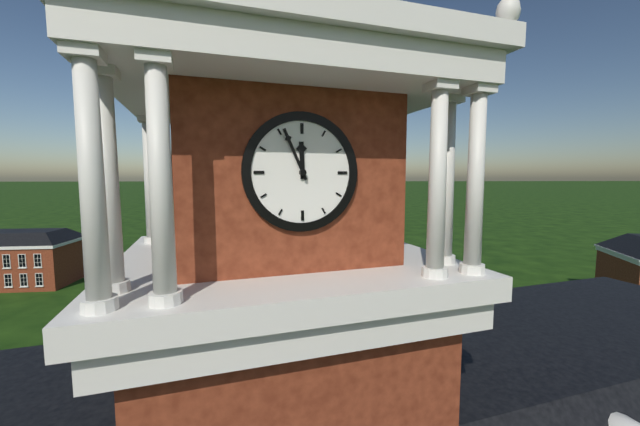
11:56
